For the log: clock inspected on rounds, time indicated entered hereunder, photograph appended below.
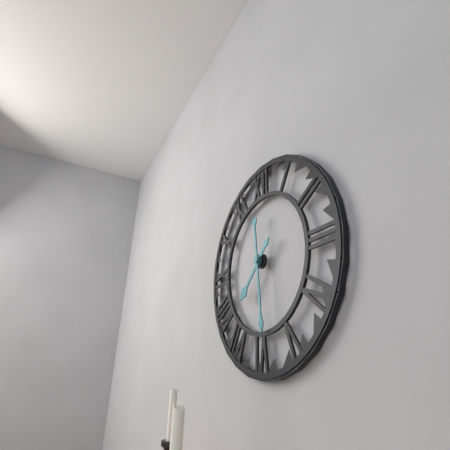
7:29
